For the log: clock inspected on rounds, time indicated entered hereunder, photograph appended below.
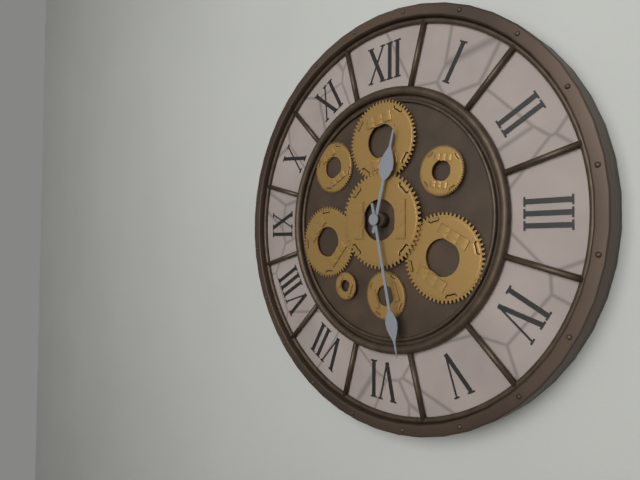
12:28
